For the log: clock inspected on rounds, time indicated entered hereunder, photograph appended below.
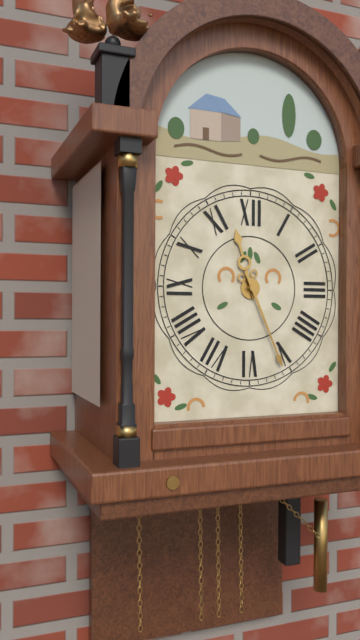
11:26
